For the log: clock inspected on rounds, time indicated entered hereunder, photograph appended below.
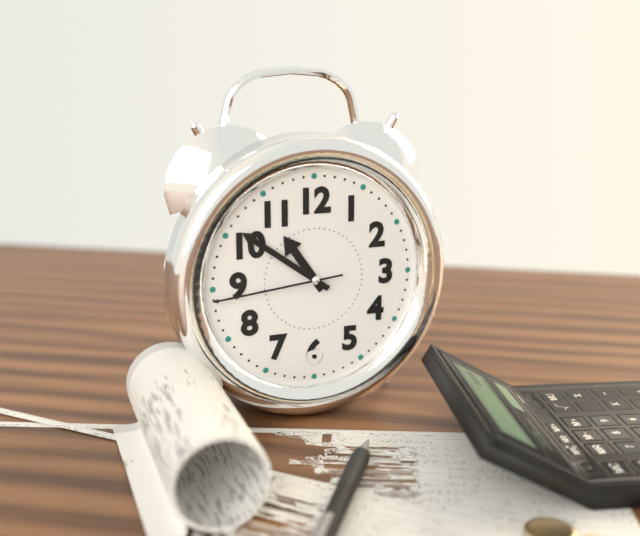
10:51:44
